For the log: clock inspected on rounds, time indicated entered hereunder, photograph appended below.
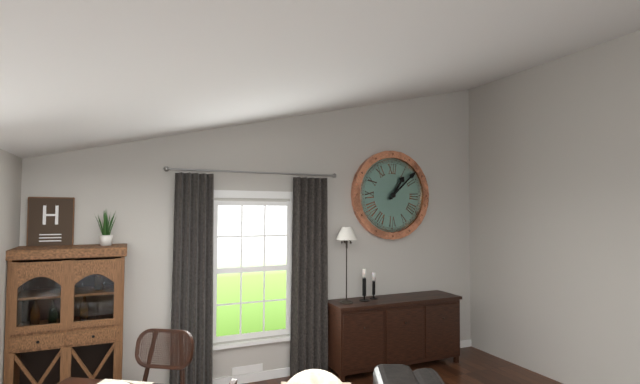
1:08
